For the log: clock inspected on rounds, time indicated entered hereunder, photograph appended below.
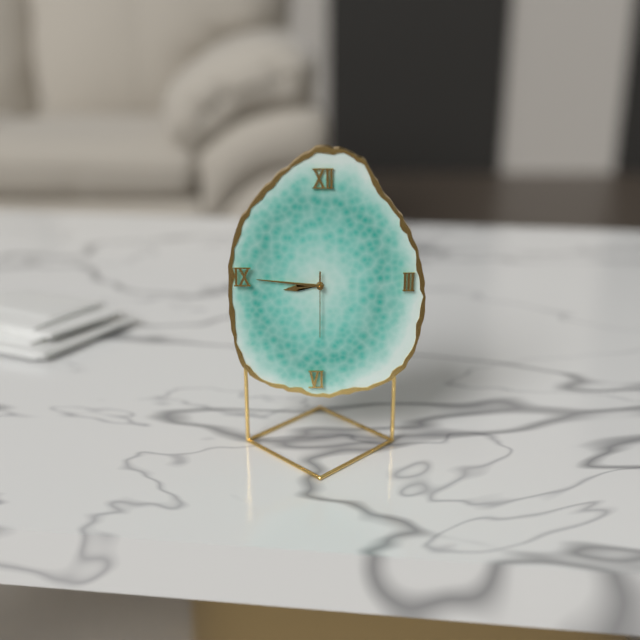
8:46:30
